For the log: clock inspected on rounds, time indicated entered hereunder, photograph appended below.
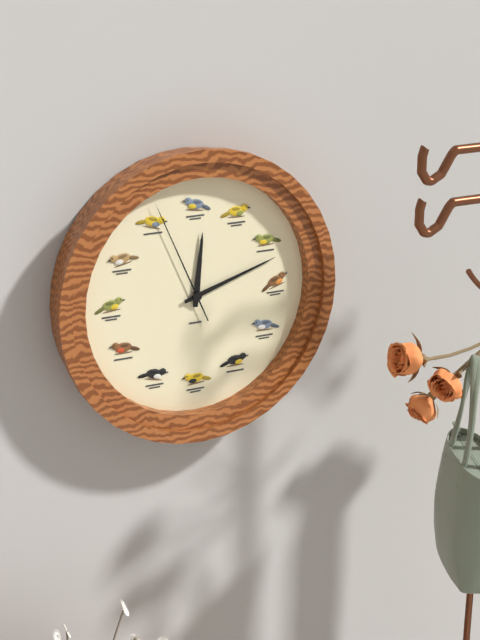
12:12:56
